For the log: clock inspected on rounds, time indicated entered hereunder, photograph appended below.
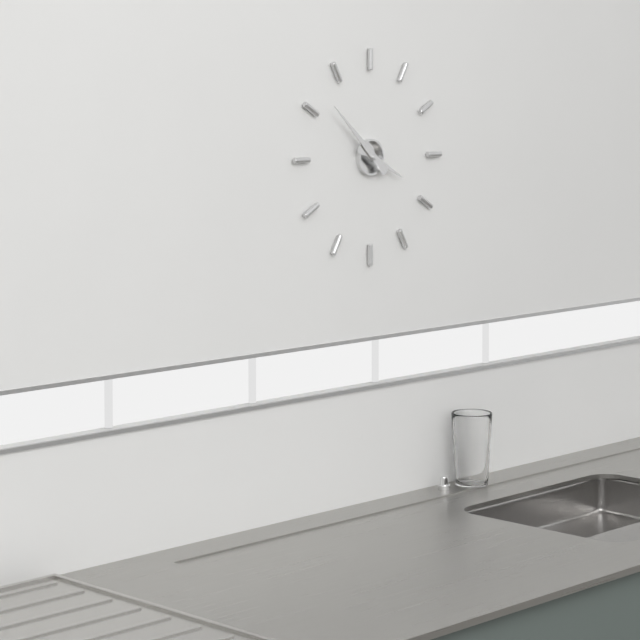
3:52
